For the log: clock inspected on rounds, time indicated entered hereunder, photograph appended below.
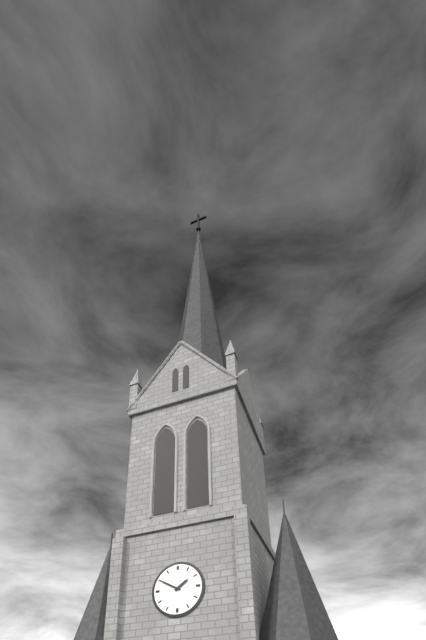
1:50
